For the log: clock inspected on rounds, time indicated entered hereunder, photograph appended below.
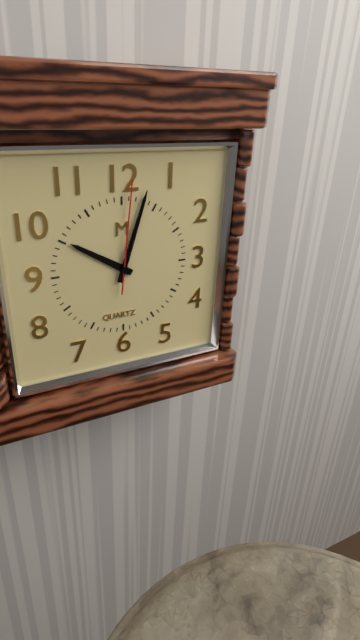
10:03:01
